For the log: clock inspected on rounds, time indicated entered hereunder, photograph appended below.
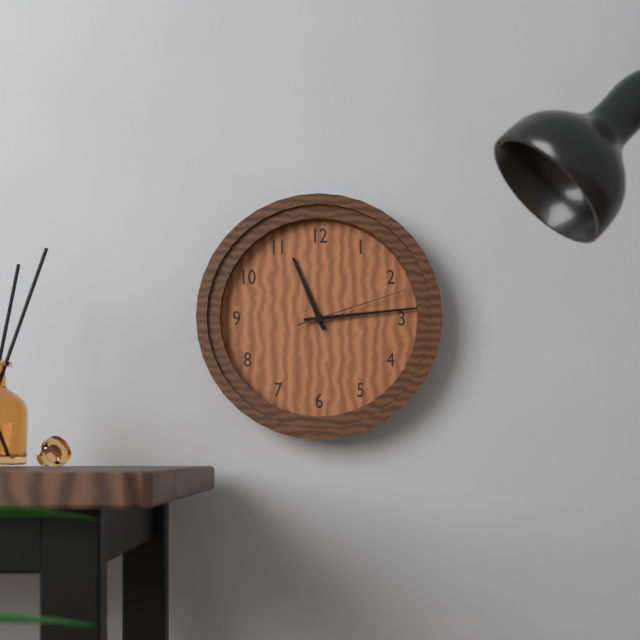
11:14:12
